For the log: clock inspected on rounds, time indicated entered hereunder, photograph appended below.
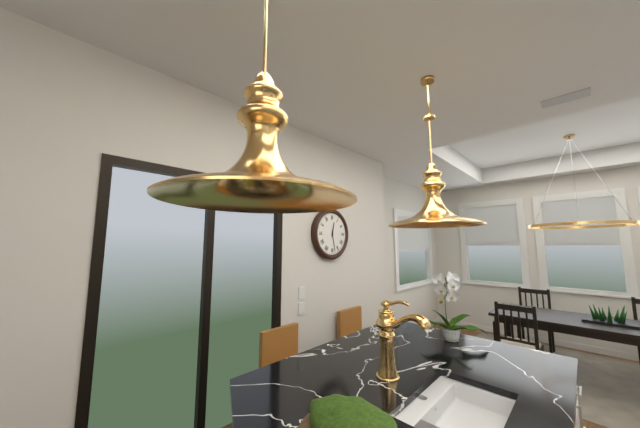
12:28
